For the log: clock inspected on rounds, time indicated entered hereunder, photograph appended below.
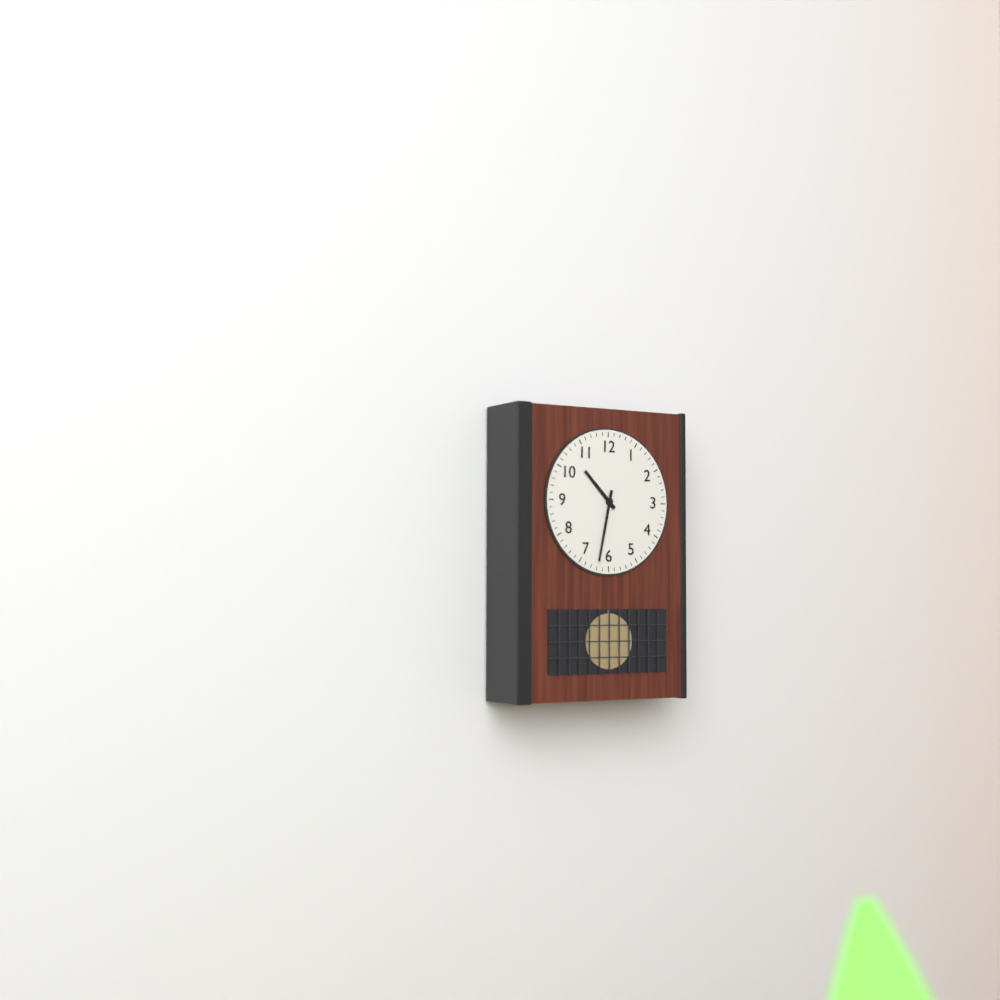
10:32
